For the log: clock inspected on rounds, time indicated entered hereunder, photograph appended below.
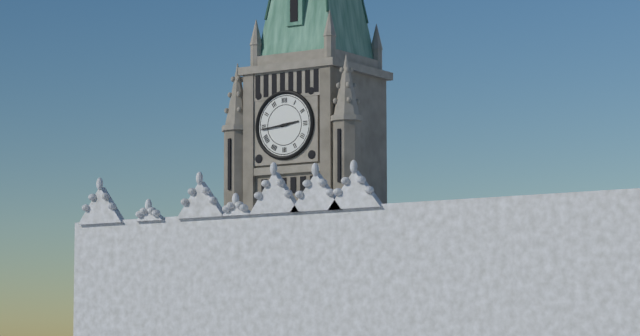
2:44
